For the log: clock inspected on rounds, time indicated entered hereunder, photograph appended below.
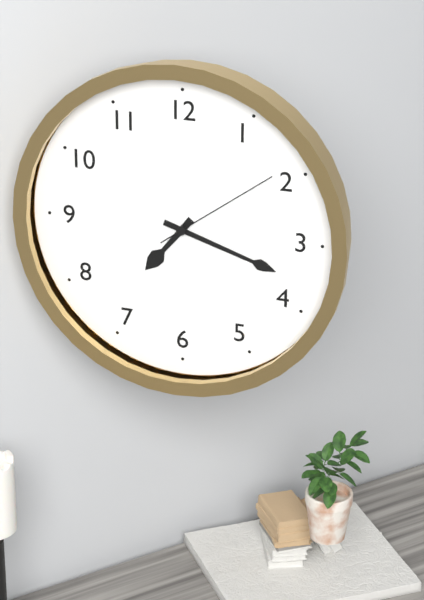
7:18:09
